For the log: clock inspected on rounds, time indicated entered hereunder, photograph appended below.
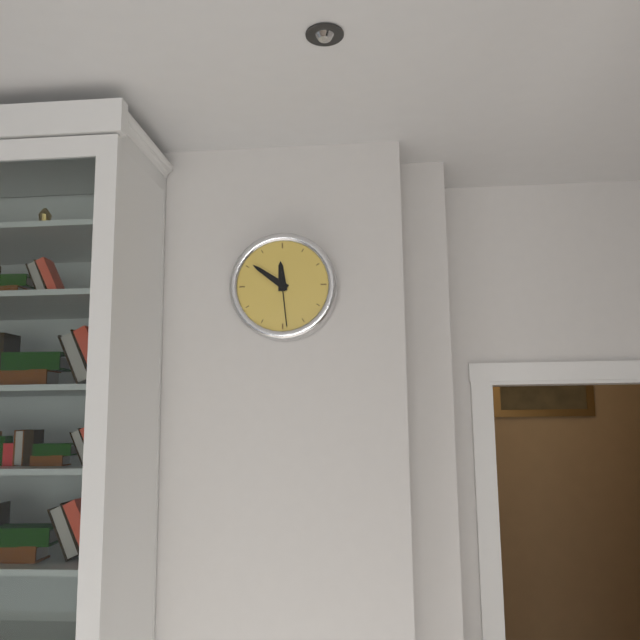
11:51:29
